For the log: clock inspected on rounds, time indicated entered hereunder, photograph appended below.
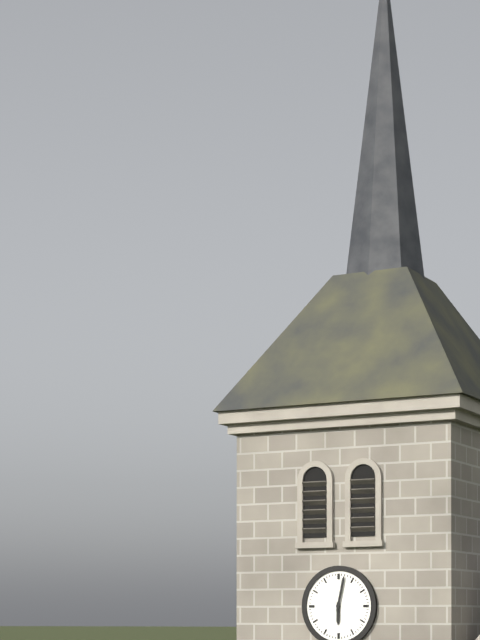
6:02
